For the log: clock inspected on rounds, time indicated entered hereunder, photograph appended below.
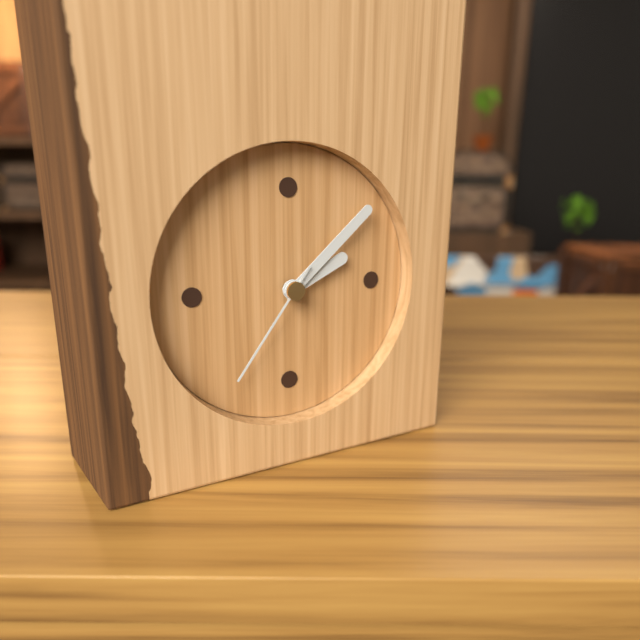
2:08:36
